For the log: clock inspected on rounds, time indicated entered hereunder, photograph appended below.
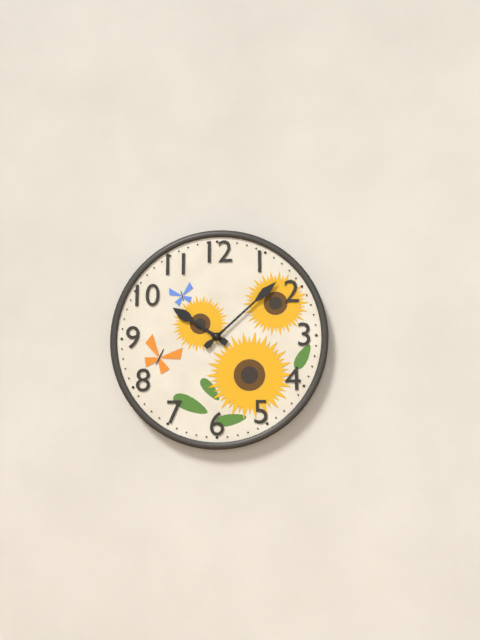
10:08
